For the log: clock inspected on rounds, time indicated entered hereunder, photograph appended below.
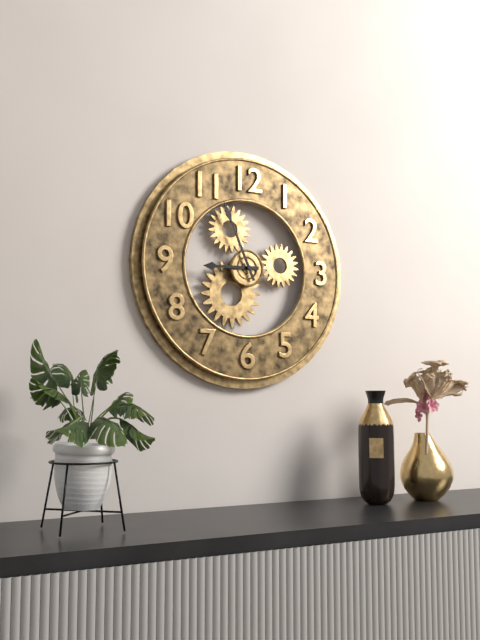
8:56
